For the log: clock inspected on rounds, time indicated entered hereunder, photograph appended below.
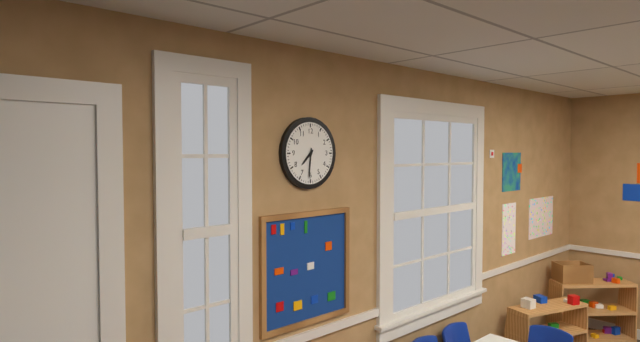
7:31
